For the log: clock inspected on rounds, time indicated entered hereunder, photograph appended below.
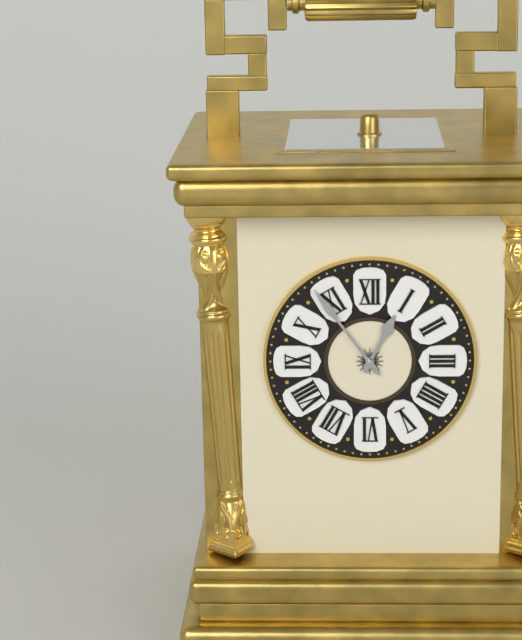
12:54
